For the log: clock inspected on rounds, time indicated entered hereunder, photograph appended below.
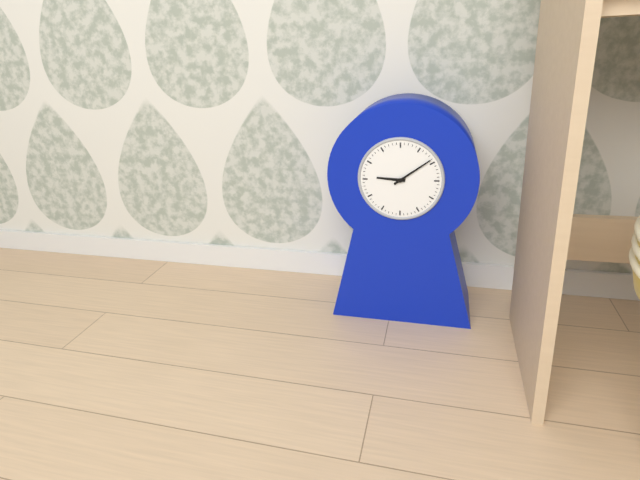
9:09
